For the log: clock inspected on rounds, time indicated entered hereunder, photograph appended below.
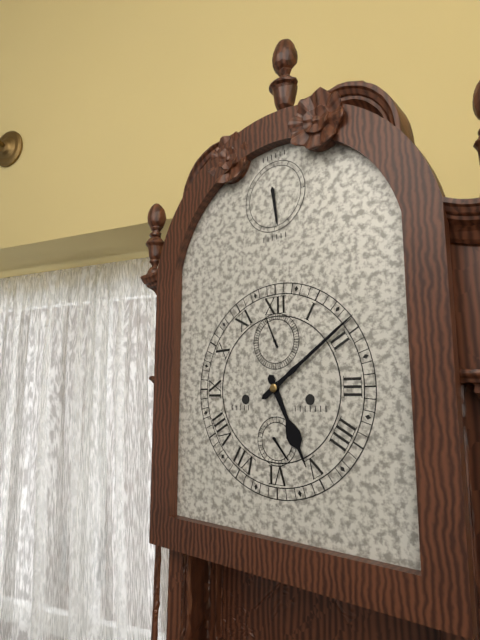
5:09
